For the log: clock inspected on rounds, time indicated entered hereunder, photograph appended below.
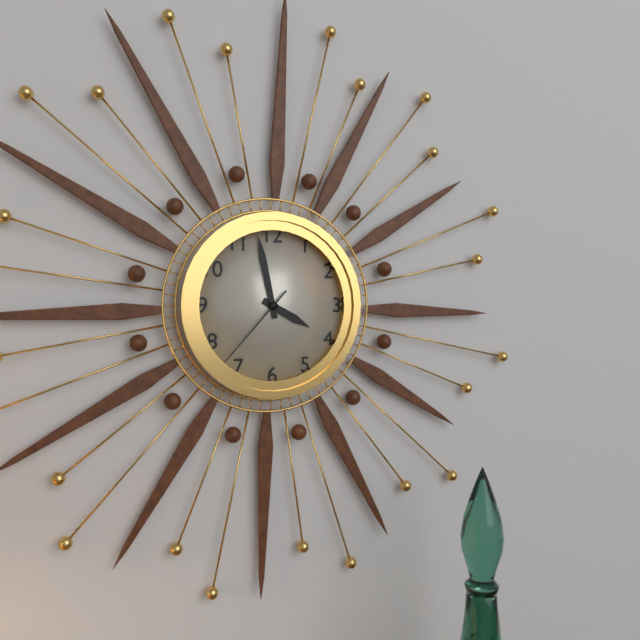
3:58:37
